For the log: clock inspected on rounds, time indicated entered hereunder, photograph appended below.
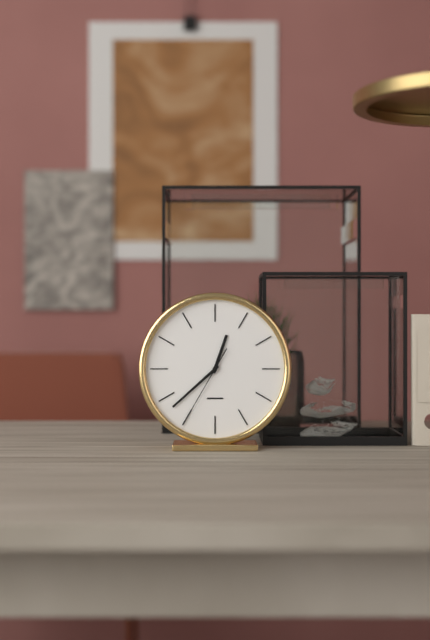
12:38:35
